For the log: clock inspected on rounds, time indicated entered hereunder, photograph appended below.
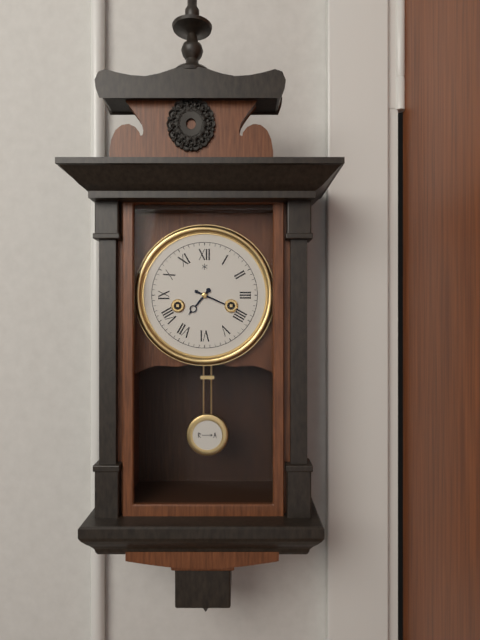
7:19
